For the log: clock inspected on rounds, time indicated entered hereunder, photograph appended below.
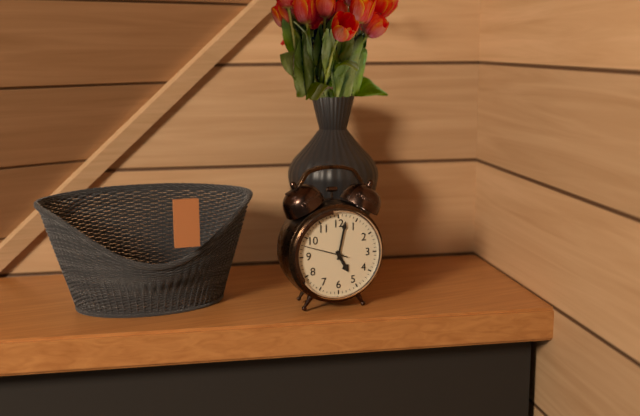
5:02
